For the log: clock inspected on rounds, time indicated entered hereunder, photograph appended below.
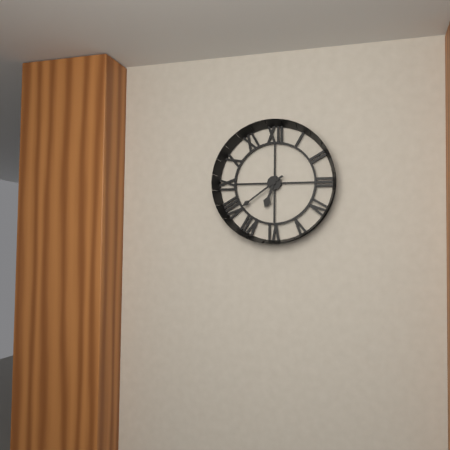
6:39
